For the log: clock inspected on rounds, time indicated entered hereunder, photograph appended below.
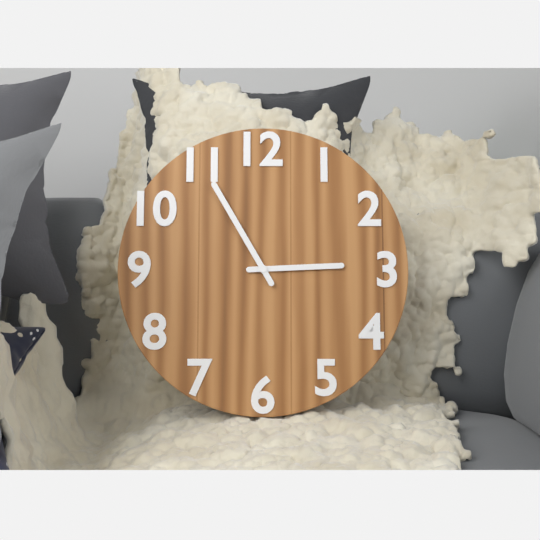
2:55
